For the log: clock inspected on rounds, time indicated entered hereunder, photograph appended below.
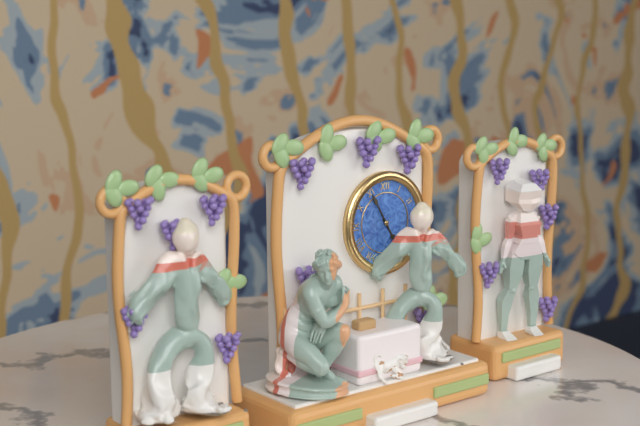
4:55
